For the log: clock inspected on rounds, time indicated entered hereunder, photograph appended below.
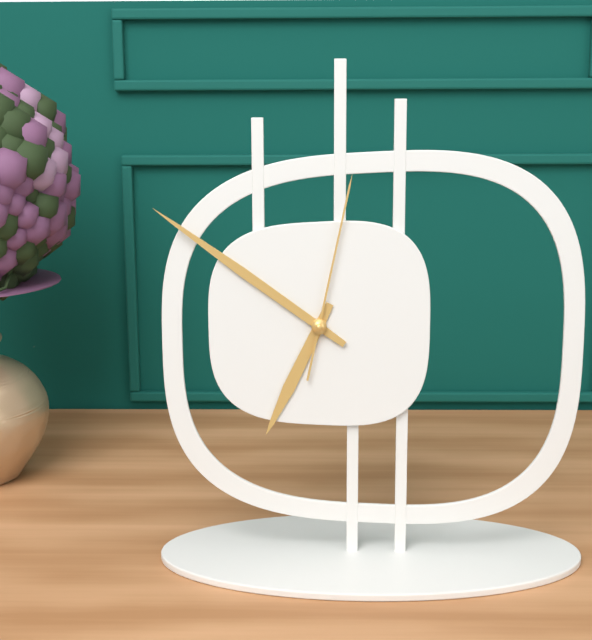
6:51:02
